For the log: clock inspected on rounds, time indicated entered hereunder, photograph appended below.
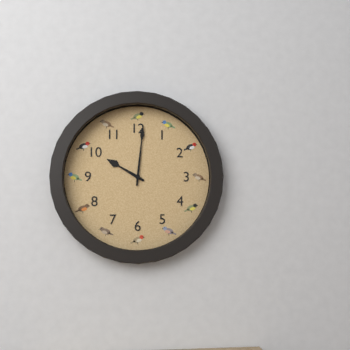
10:01
